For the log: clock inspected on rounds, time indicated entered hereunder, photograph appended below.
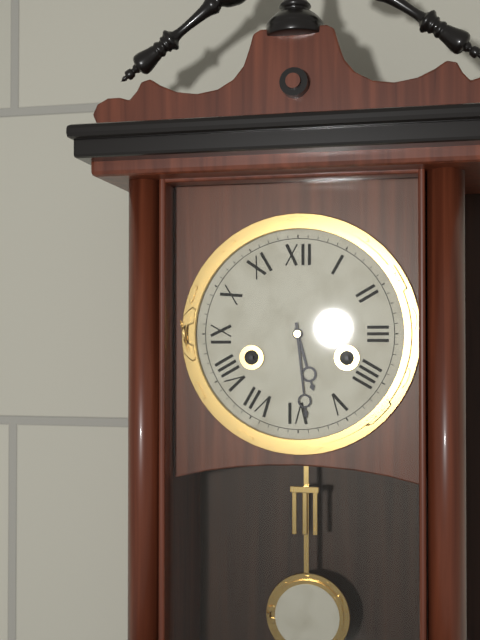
5:29
